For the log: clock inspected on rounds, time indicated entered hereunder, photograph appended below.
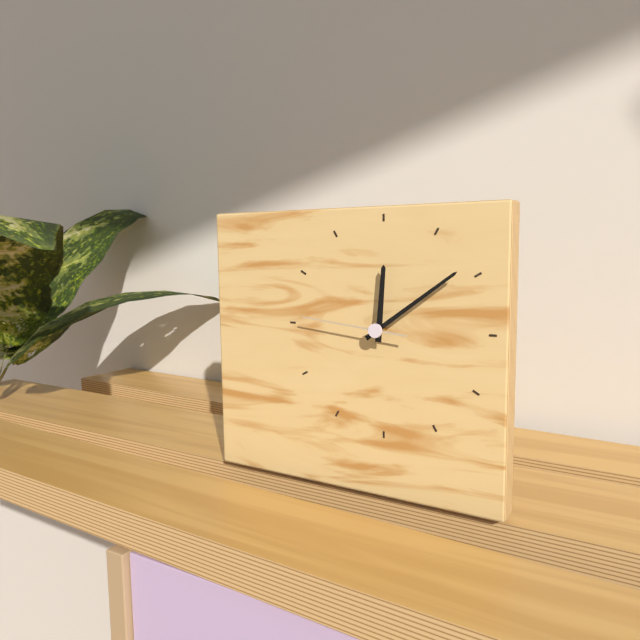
12:09:46
